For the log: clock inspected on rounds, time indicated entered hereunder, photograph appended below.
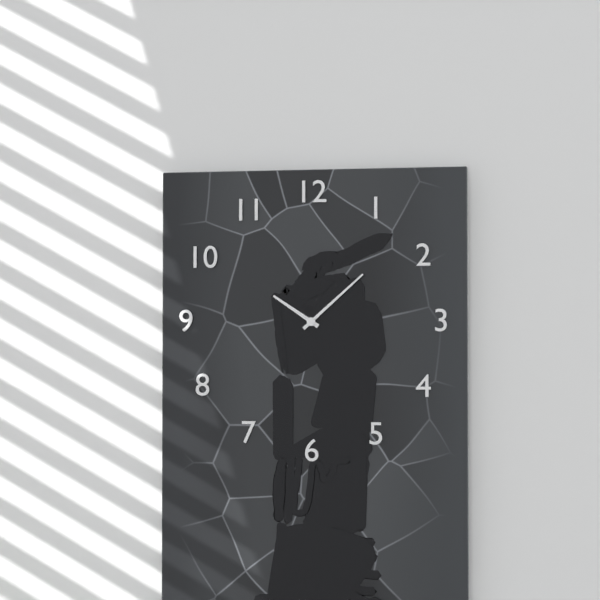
10:08
